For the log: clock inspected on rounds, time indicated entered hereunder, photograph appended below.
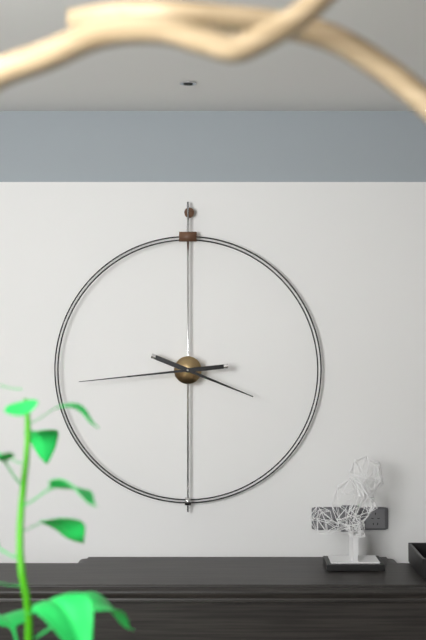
3:44
